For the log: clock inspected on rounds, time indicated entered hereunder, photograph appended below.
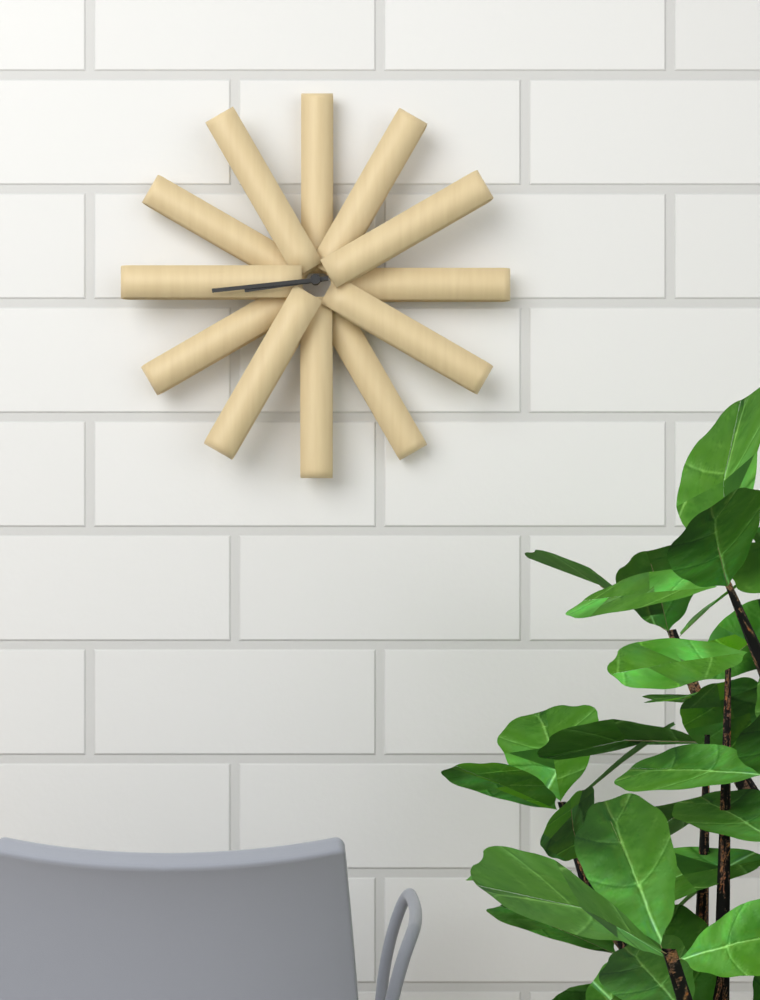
8:44
